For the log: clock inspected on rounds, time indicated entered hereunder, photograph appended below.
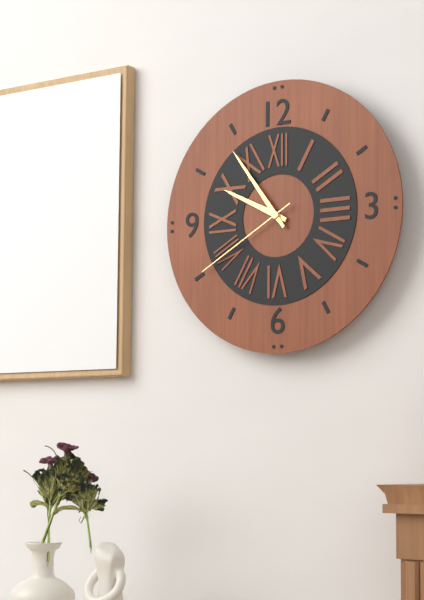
9:54:40
